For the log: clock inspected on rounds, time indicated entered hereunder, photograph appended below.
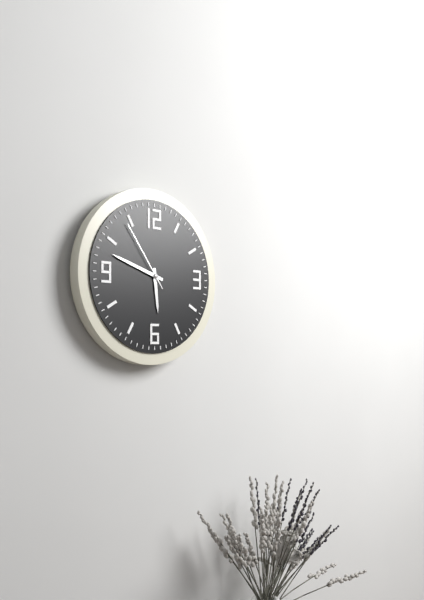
5:48:54
